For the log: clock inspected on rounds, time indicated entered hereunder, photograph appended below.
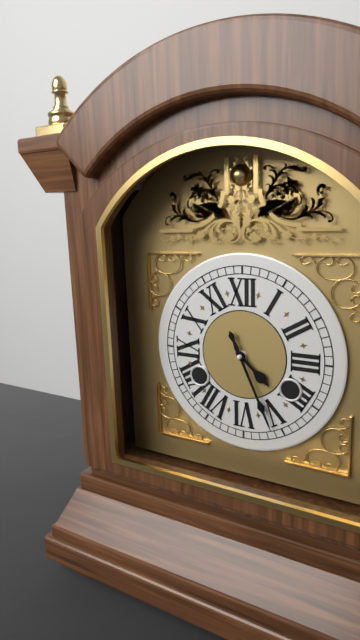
4:26
